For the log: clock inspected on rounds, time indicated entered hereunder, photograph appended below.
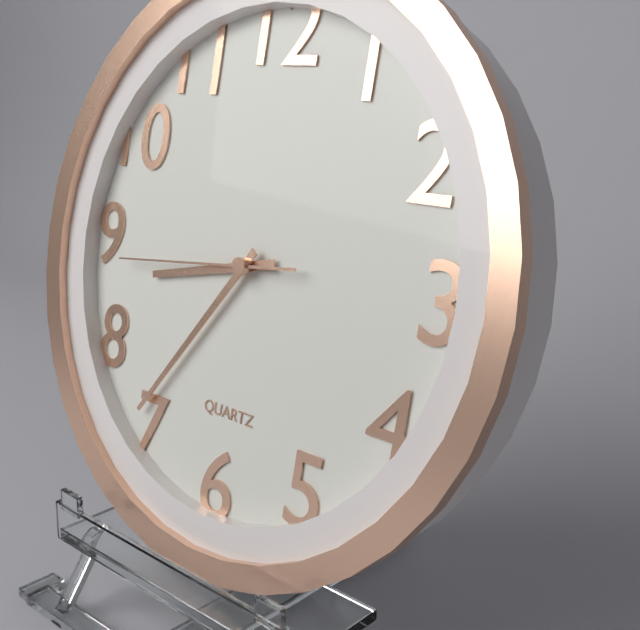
8:36:44
